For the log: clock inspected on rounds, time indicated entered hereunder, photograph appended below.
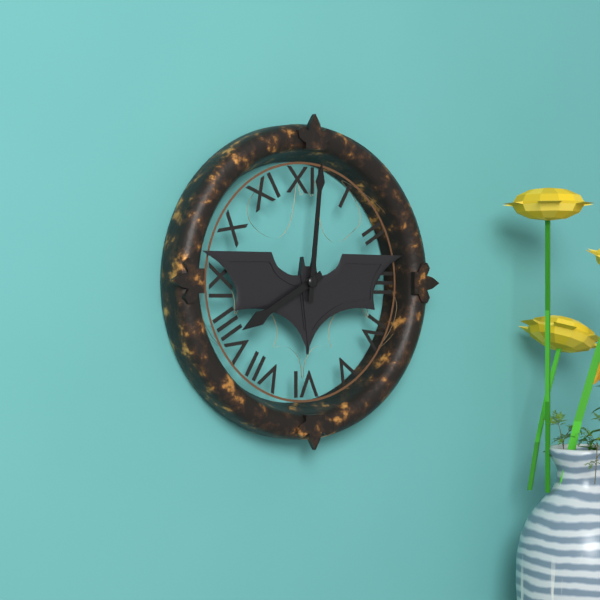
8:01
